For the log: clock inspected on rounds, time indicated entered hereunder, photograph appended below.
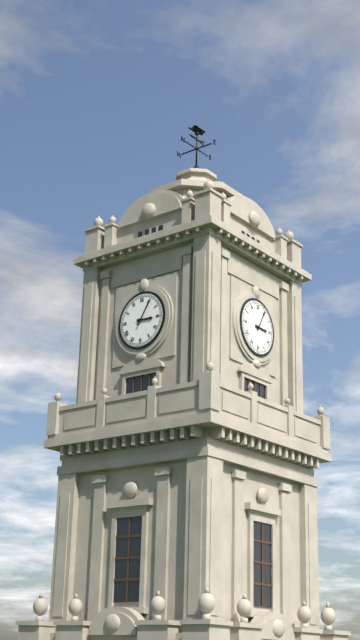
3:05
